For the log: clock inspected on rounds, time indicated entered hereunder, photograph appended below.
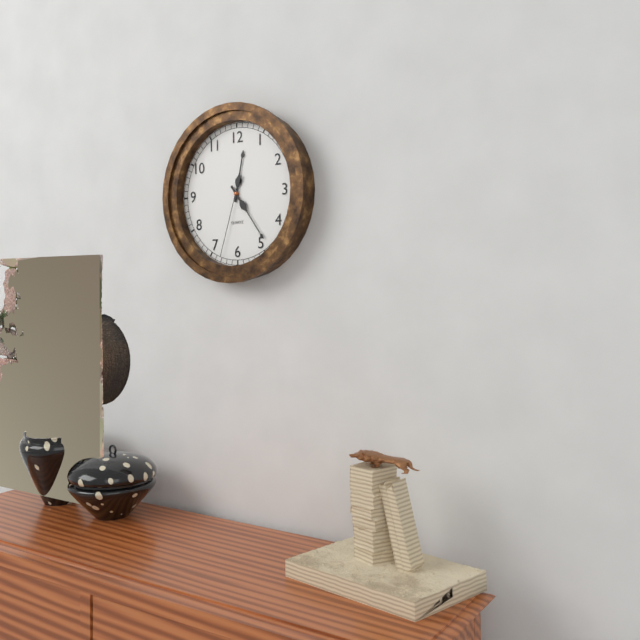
12:24:33
